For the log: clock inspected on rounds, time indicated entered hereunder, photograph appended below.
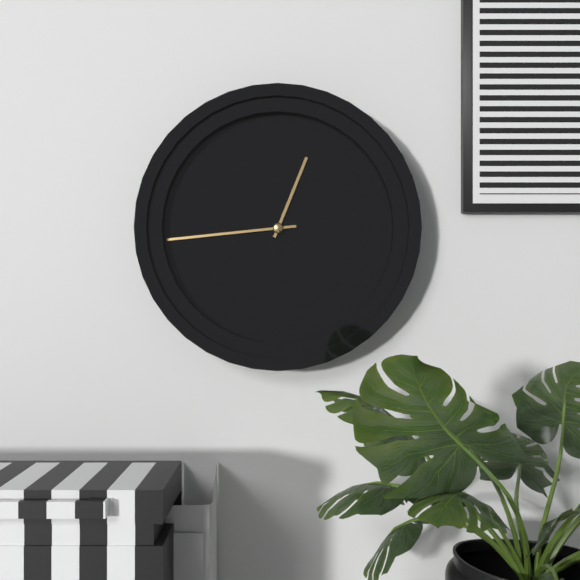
12:44
